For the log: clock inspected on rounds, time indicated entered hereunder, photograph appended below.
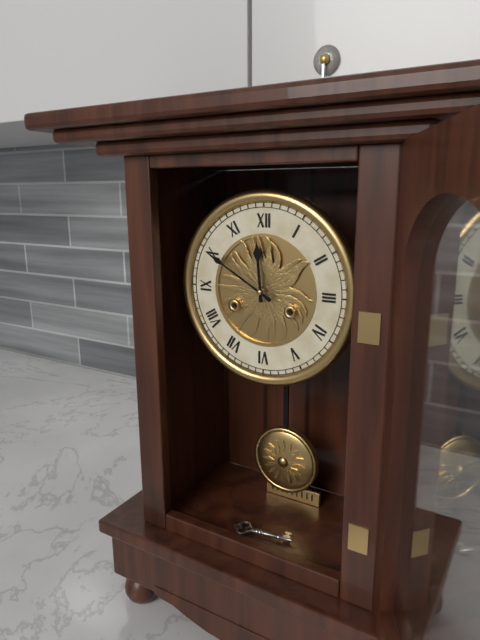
11:50
